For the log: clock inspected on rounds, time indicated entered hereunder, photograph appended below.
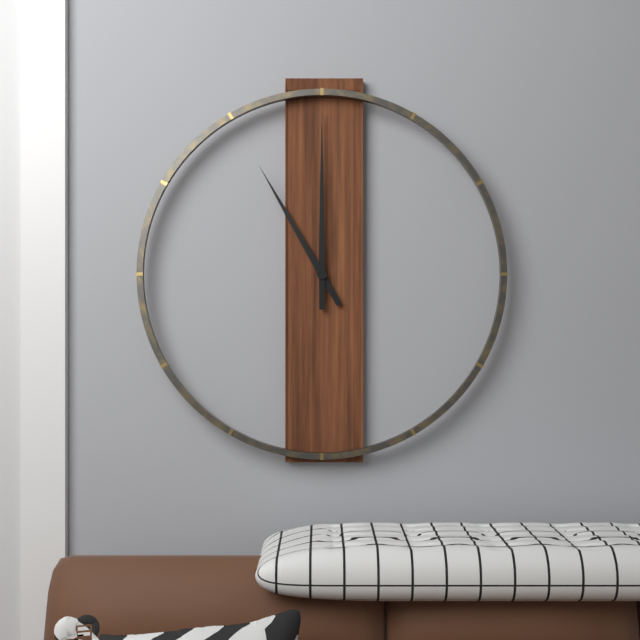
11:00
